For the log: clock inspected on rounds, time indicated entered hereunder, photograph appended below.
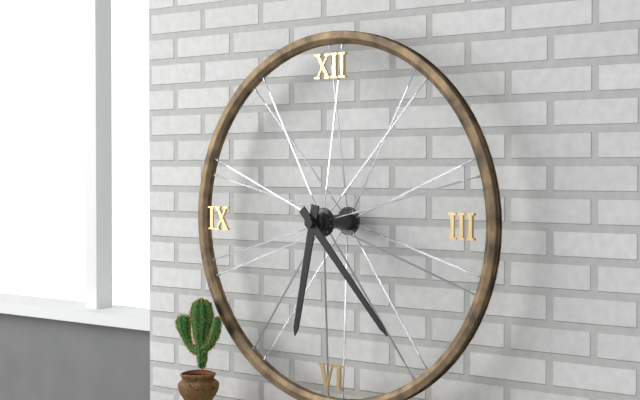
6:23
